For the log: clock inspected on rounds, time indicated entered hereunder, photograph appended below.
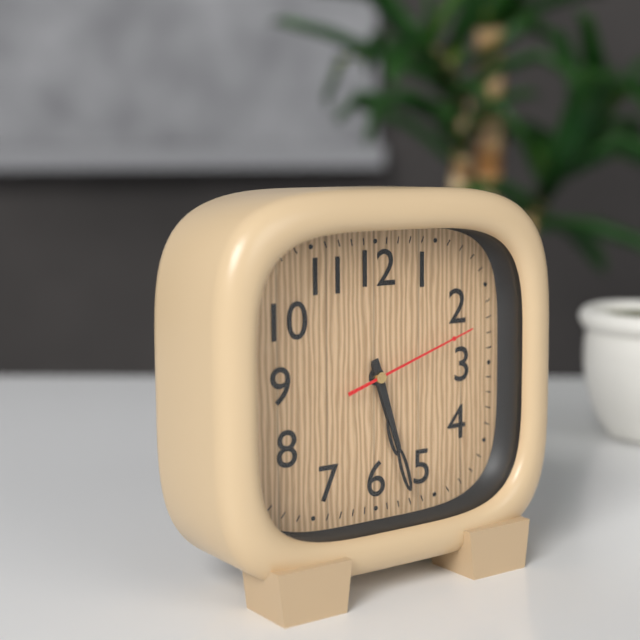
5:27:12
